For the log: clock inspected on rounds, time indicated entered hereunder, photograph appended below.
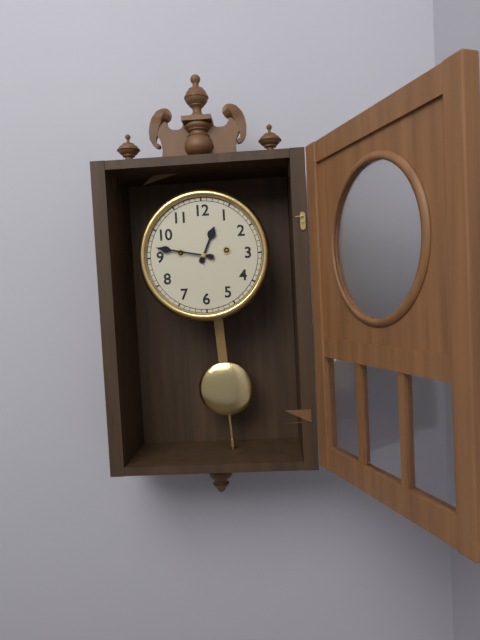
12:47
